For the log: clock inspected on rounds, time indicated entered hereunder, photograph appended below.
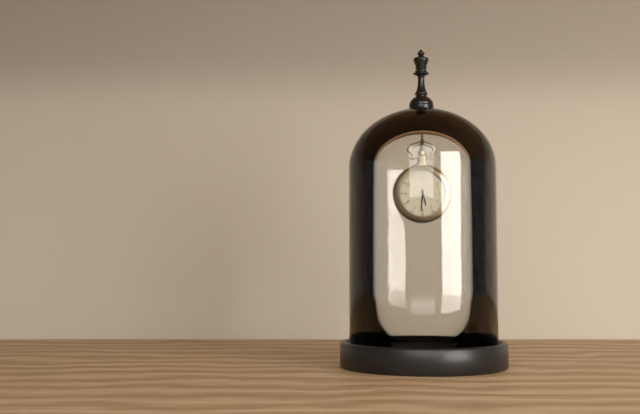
5:31
